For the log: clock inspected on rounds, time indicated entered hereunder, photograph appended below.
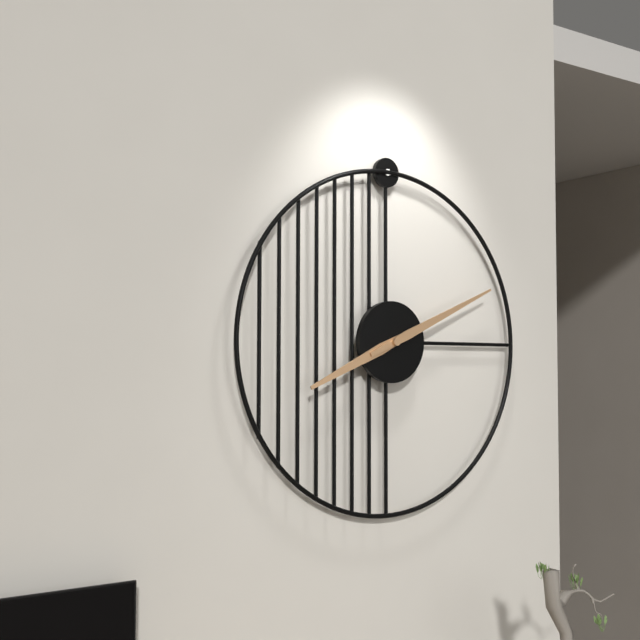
8:11
